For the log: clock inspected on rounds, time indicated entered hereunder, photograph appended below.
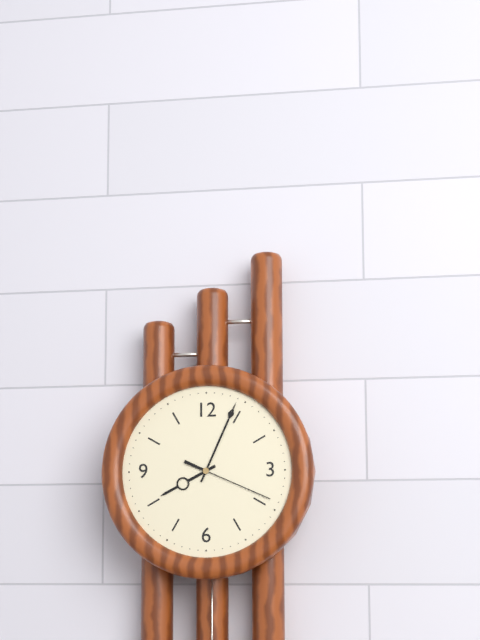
8:04:19
